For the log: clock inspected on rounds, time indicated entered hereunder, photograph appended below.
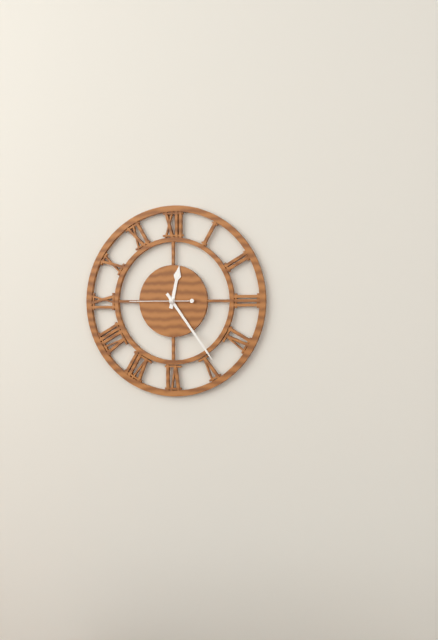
12:24:45
